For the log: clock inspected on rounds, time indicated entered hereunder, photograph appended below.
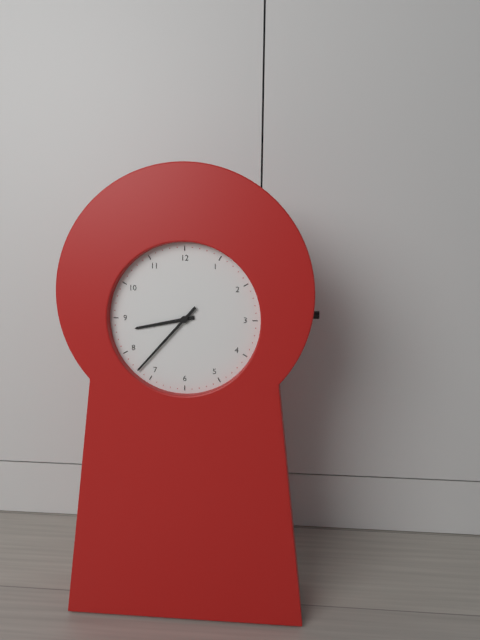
8:37
